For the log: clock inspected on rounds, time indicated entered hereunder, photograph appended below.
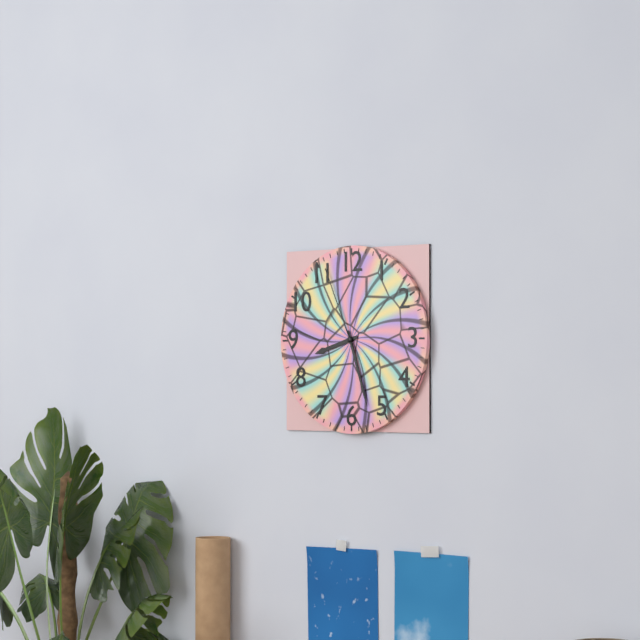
8:27:56
